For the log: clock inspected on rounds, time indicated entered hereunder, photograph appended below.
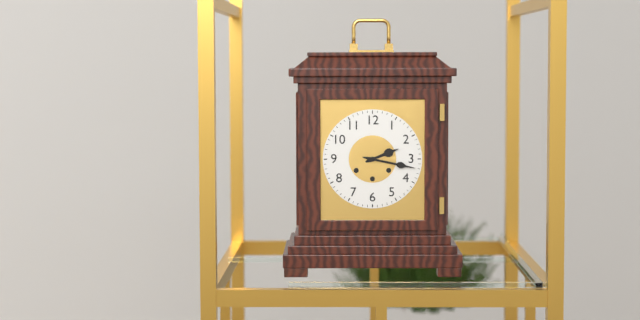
2:17
